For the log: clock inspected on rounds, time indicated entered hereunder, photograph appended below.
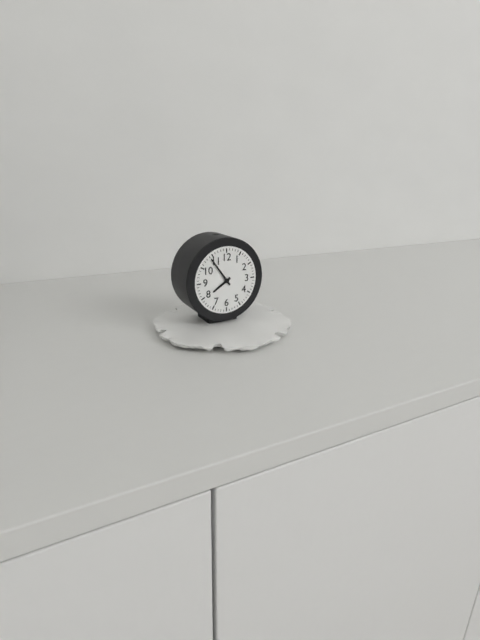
7:54
